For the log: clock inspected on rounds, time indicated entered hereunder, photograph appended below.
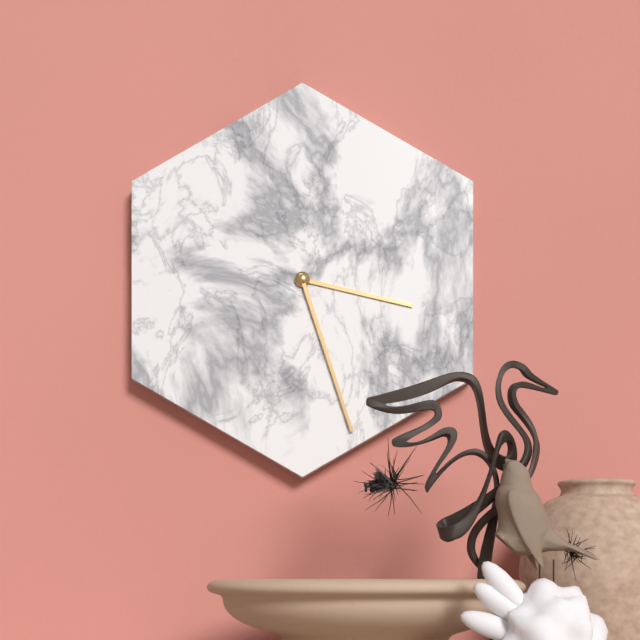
3:27
